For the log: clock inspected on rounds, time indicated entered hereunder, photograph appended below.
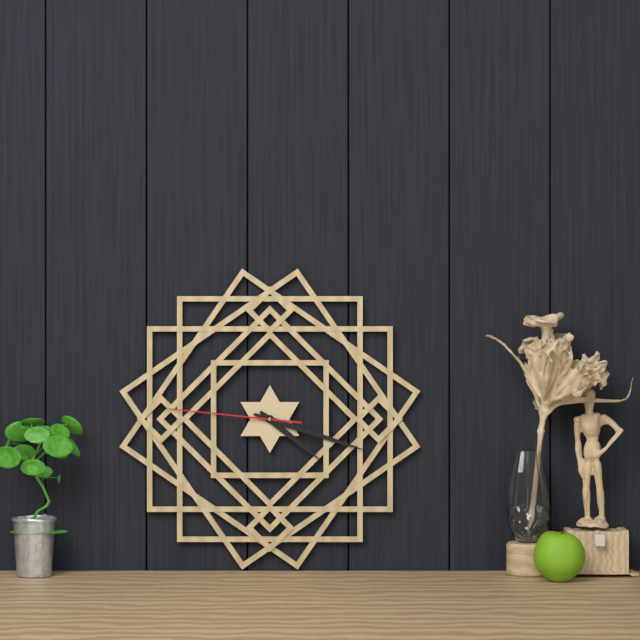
4:18:46
